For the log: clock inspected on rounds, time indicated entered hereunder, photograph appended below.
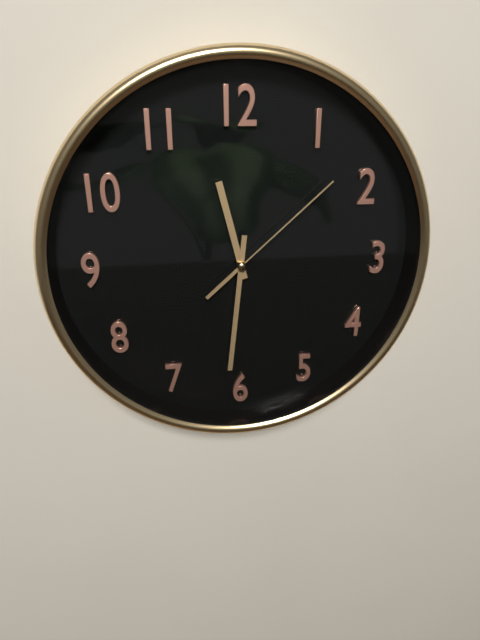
11:31:08
